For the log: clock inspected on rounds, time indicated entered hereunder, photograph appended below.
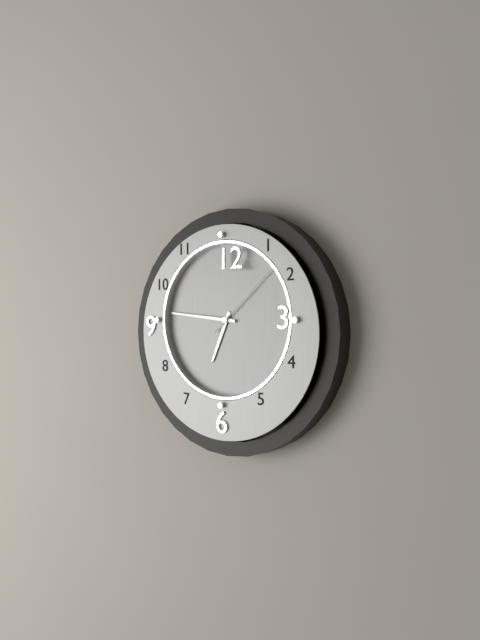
6:46:08
